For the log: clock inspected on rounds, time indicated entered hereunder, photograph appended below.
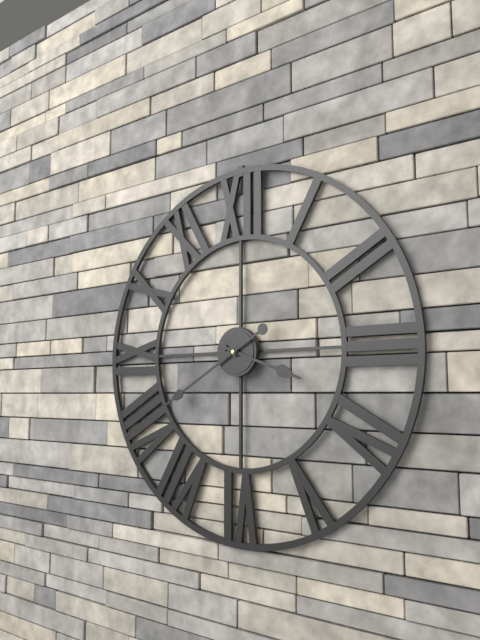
3:40
